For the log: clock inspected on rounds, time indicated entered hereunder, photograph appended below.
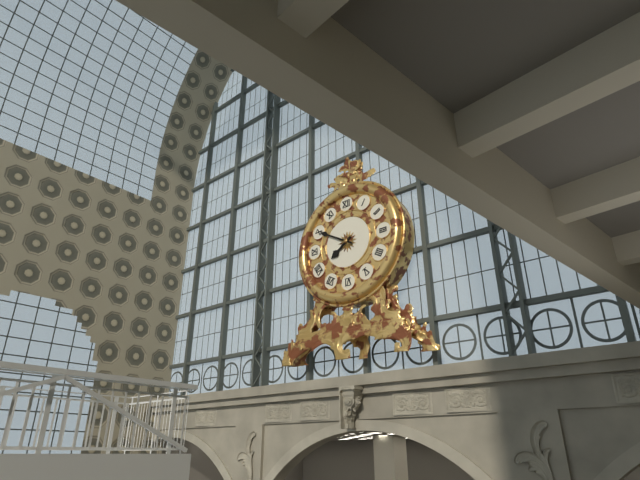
7:50
